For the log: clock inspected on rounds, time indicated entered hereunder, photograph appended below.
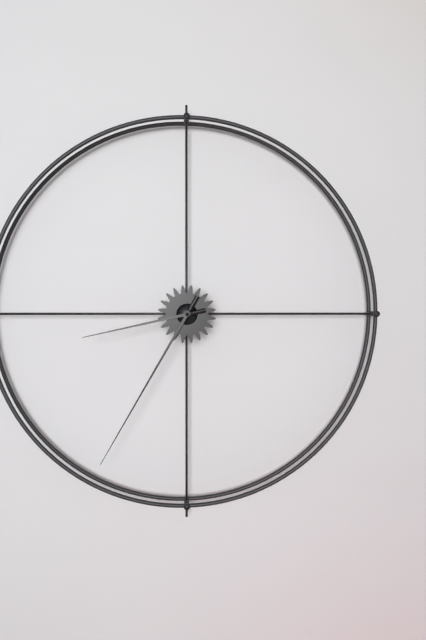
8:35
